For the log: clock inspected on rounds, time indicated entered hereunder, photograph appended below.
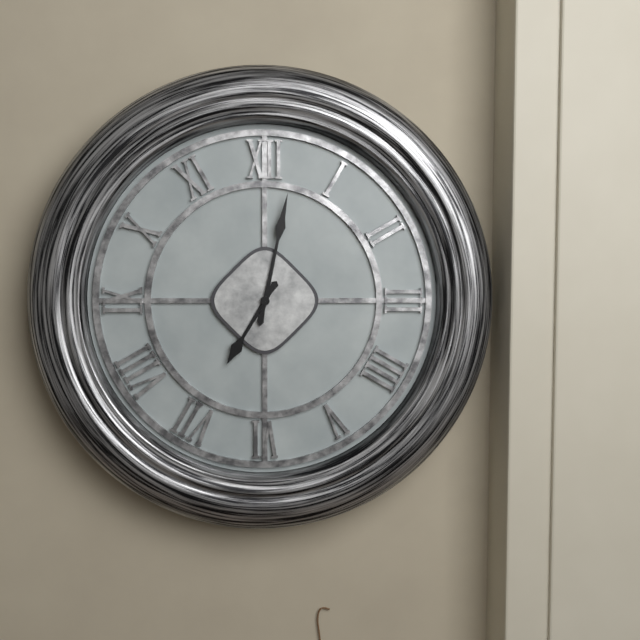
7:02
